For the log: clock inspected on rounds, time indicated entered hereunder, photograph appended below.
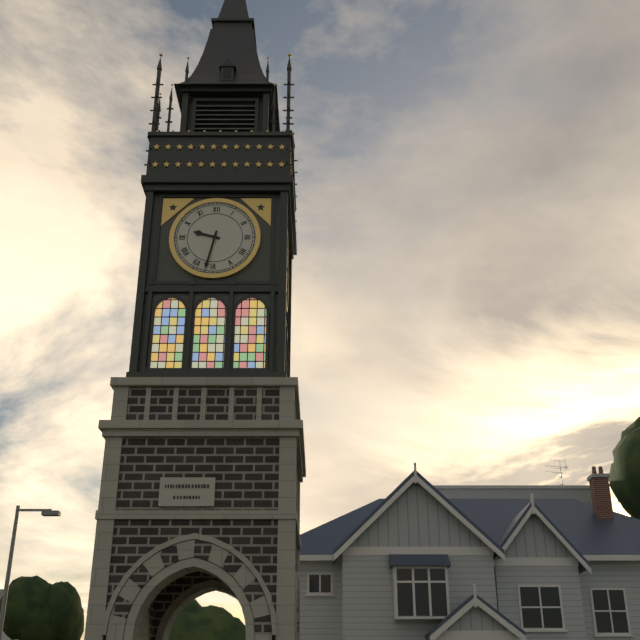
9:32
